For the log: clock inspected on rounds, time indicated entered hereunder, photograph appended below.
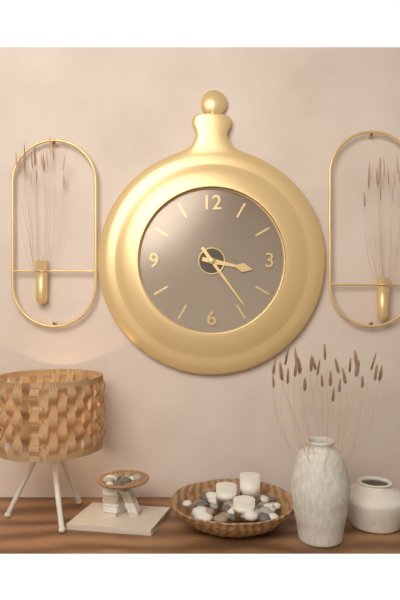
3:24
